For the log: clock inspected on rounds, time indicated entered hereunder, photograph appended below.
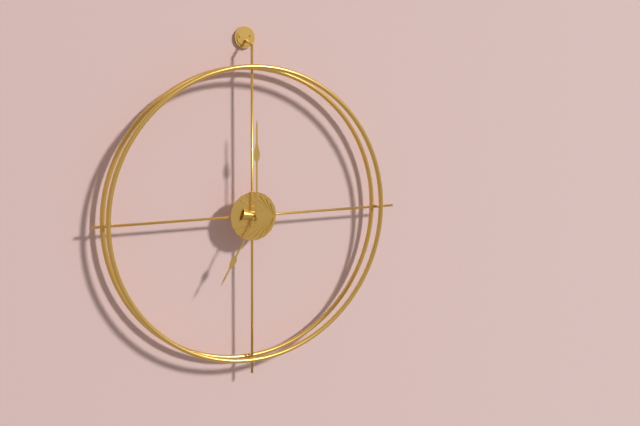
7:00
